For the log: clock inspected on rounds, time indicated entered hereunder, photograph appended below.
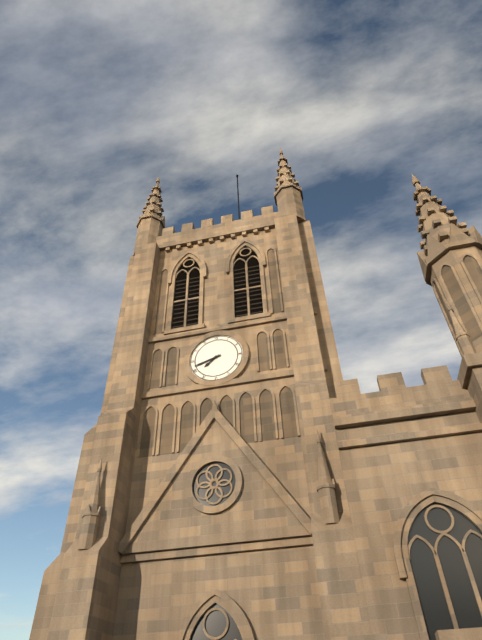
7:42
